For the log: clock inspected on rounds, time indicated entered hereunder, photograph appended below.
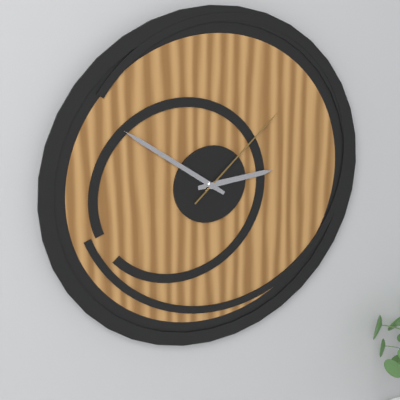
2:51:08
